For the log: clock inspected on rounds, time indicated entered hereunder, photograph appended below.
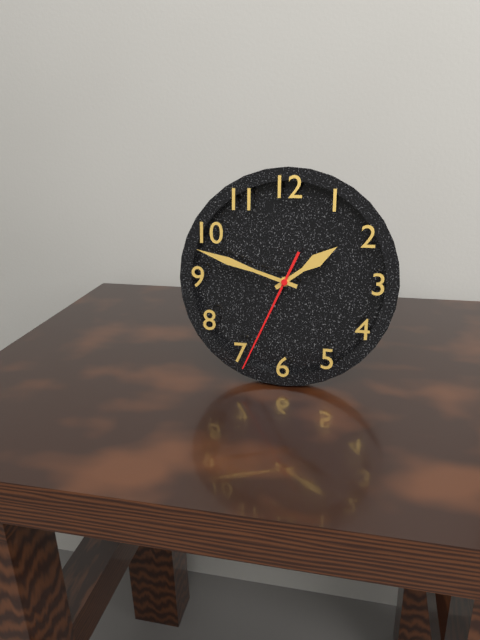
1:48:34
